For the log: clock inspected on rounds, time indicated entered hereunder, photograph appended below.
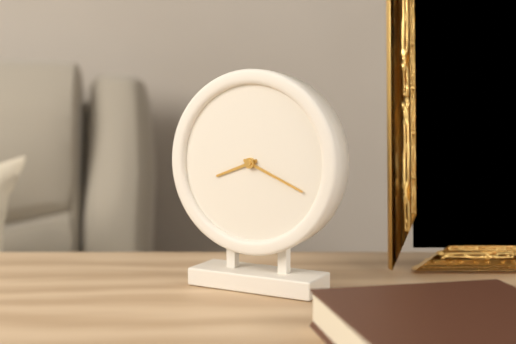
8:19
